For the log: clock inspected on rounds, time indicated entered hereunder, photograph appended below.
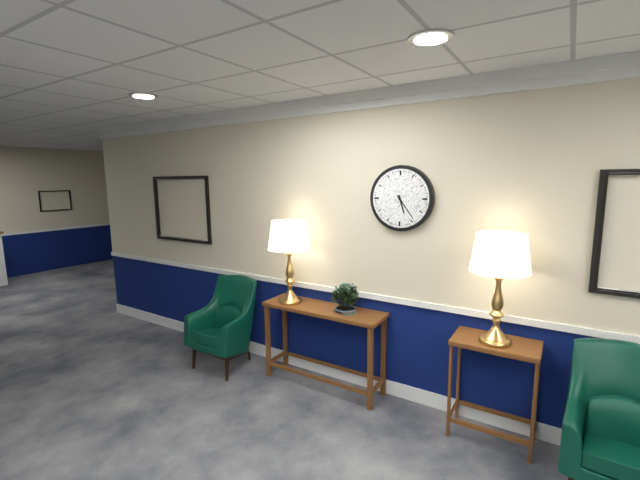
5:24
